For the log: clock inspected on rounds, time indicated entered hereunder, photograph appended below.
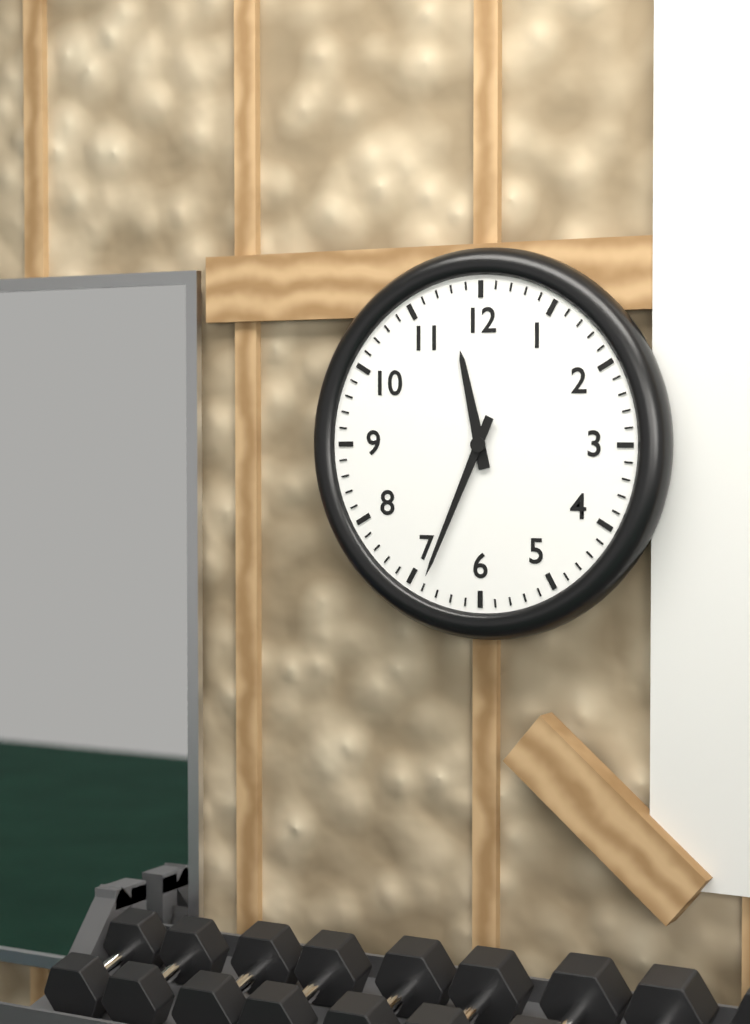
11:34
